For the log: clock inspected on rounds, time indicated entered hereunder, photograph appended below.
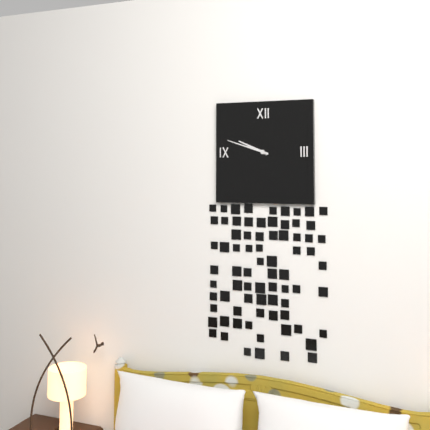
9:48
